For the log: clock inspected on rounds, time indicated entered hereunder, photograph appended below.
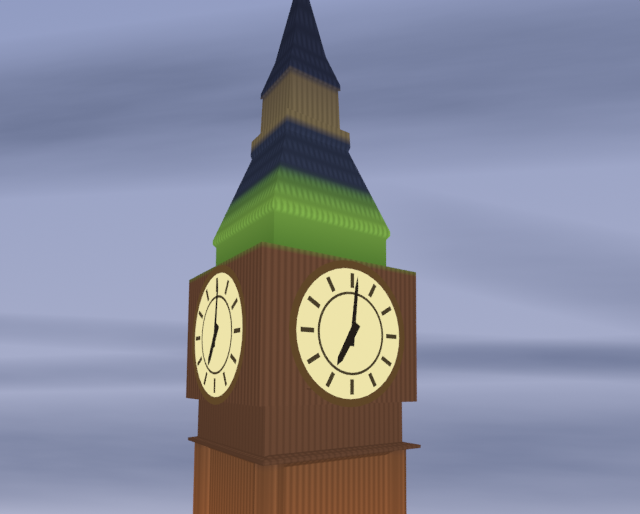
7:01
